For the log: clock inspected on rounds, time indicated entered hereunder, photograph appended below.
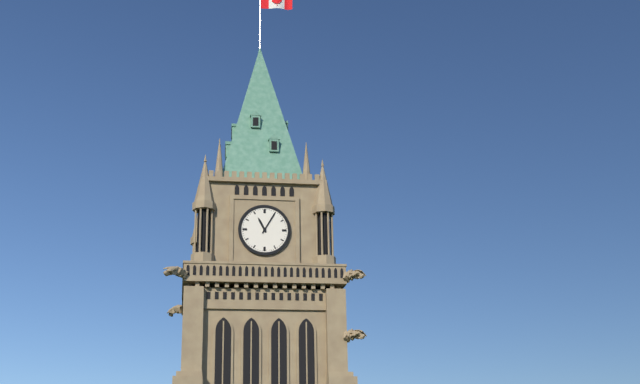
11:05
